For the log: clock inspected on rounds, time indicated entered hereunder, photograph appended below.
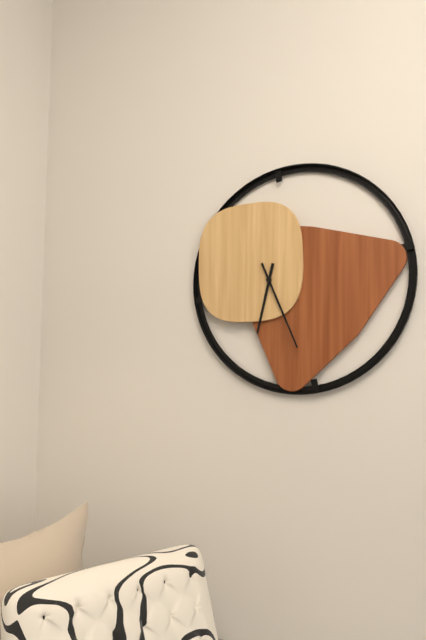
6:26
